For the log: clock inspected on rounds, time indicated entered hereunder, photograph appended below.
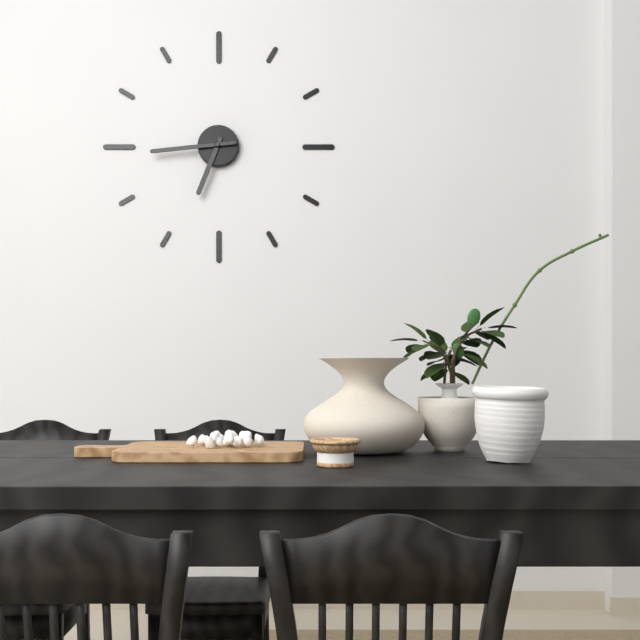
6:44
